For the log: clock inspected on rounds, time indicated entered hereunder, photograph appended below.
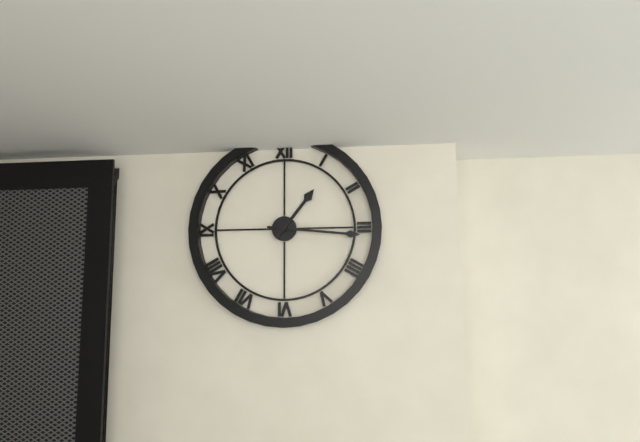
1:16
